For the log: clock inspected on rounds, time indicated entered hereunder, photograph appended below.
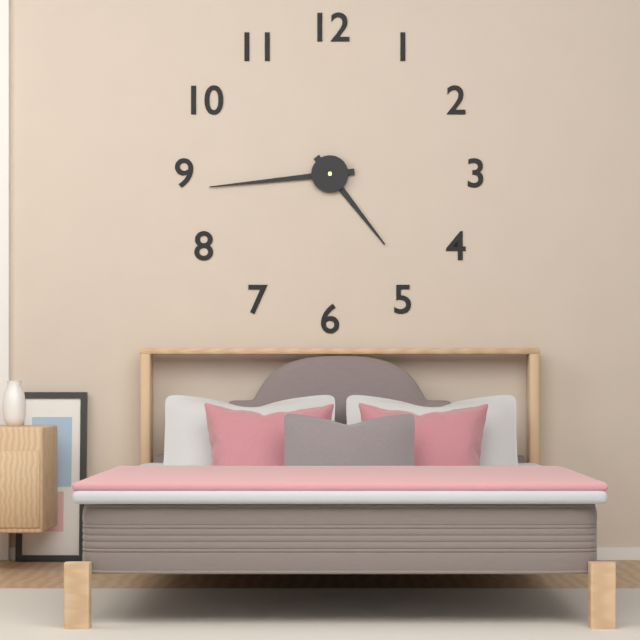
4:44
